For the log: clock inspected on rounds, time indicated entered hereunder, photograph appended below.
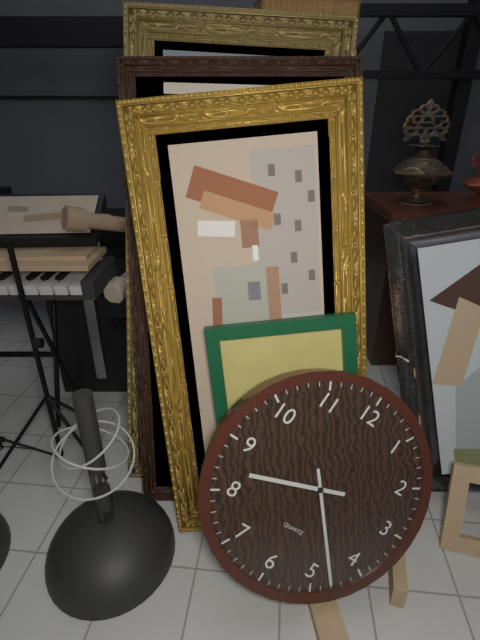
8:23
